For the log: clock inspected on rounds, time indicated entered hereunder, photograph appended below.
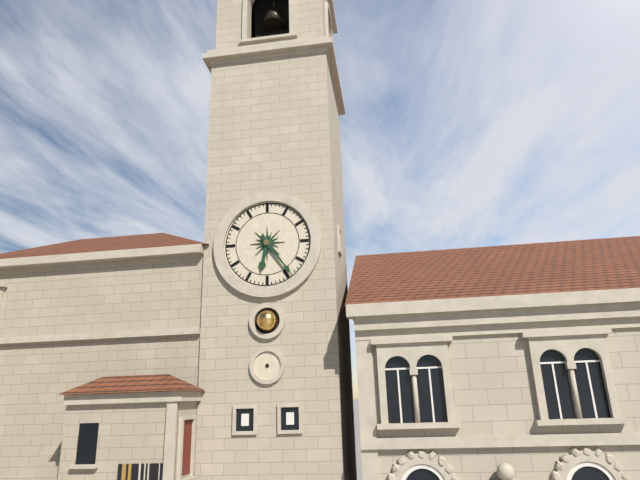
6:24
